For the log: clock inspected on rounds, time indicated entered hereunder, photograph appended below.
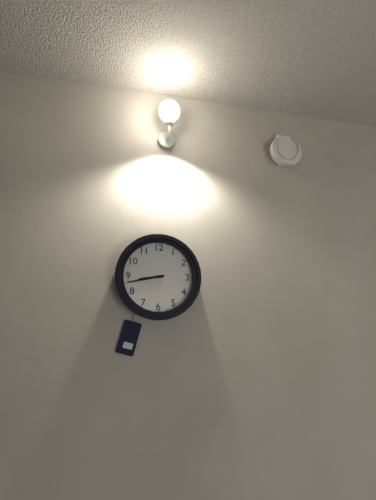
8:43
